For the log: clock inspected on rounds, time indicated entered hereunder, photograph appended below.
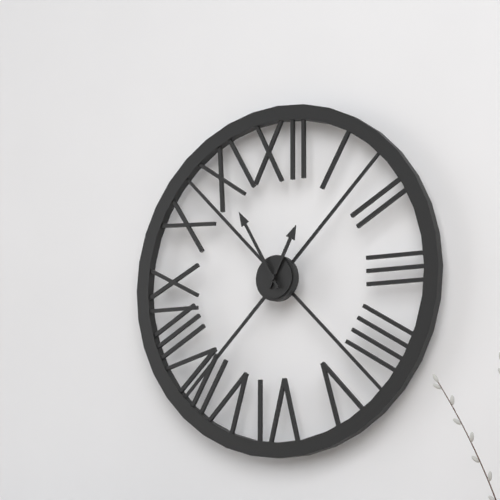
12:55
